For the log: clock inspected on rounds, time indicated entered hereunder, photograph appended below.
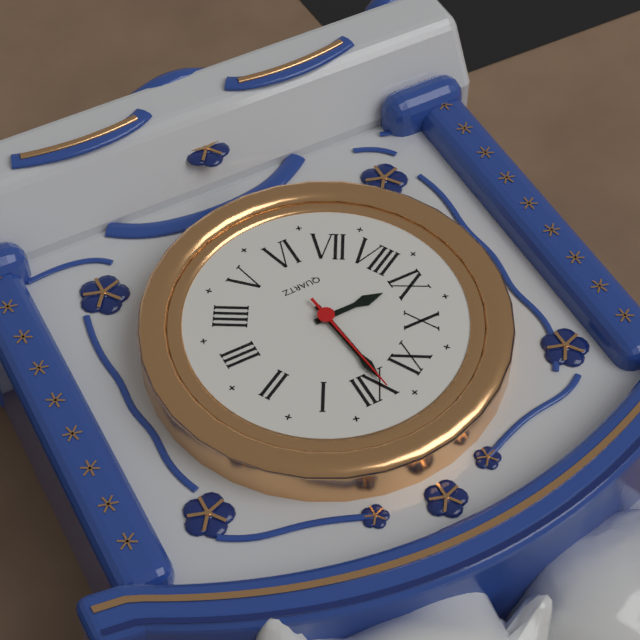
8:59:59
